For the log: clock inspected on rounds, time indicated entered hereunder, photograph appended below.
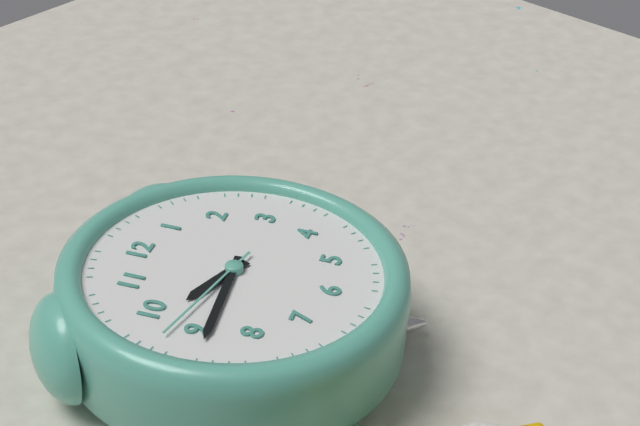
9:44:47
